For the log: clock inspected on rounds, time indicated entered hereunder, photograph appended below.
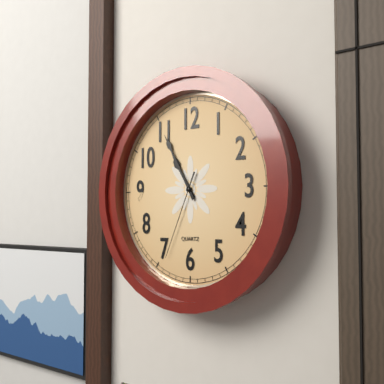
10:55:34
